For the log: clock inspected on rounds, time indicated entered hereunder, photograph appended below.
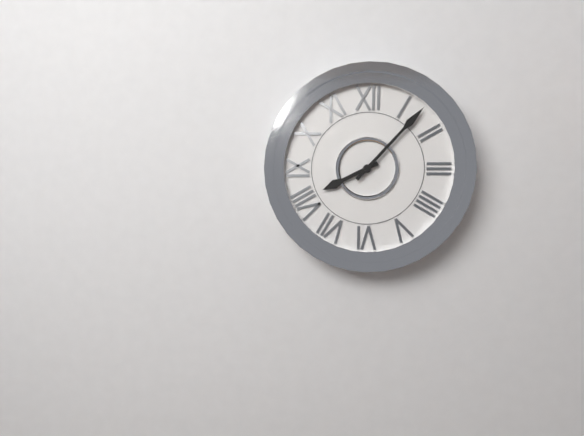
8:07
